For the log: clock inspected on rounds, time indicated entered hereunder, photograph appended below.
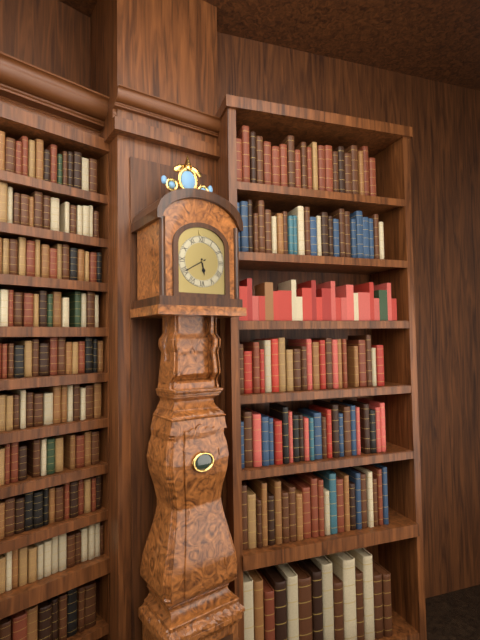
5:40
